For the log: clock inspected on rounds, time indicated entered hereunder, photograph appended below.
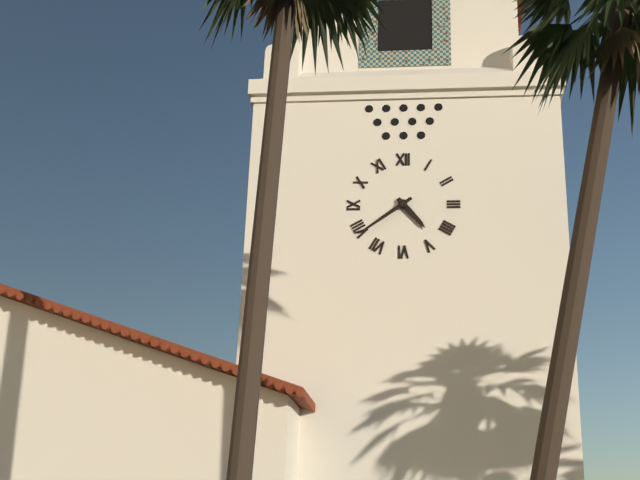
4:39
